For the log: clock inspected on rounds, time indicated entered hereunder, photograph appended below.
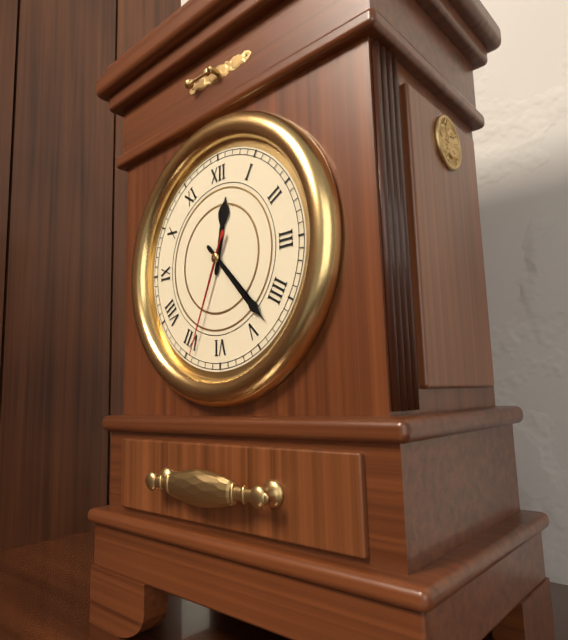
12:23:34
